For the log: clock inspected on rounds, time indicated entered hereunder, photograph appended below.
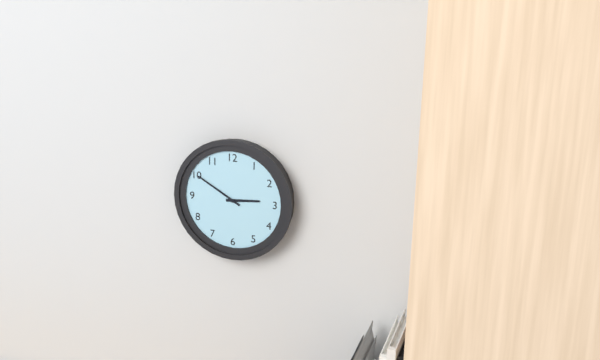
2:50
